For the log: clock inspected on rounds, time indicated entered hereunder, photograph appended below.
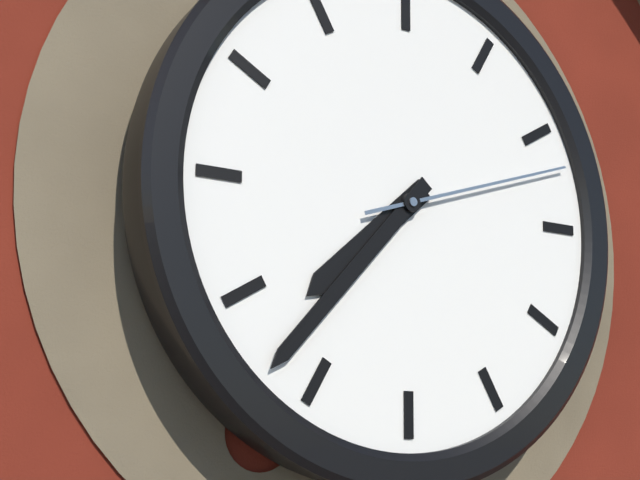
7:37:12
